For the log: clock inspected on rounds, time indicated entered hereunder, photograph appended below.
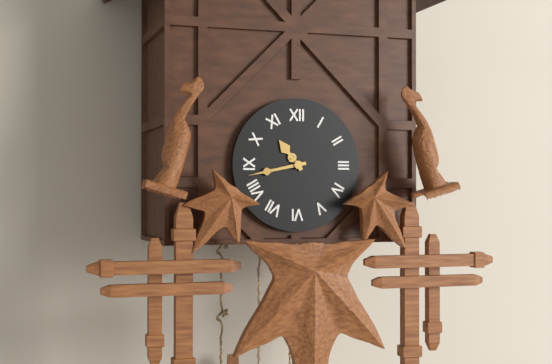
10:43
